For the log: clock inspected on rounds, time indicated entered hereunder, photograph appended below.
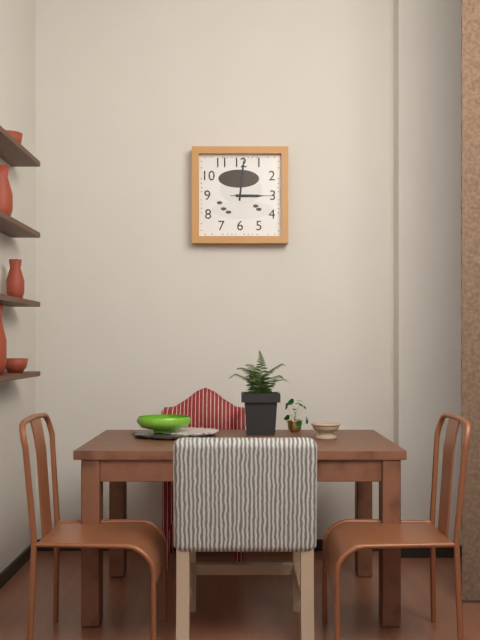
3:01
